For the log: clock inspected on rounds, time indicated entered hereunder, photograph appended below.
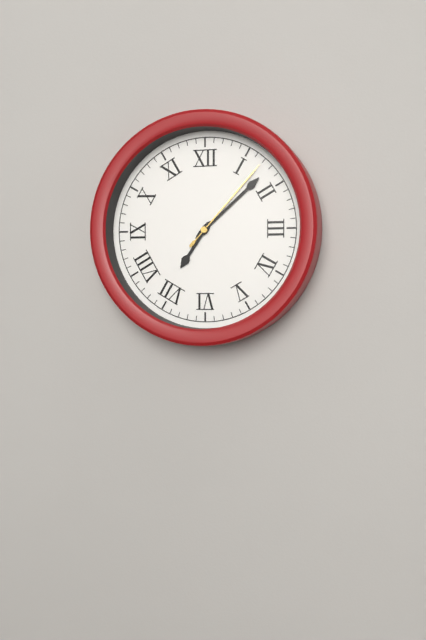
7:08:07
